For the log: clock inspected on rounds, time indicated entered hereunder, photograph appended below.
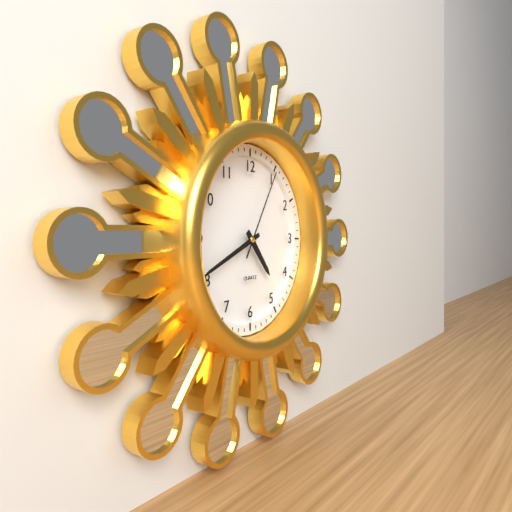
4:41:05
